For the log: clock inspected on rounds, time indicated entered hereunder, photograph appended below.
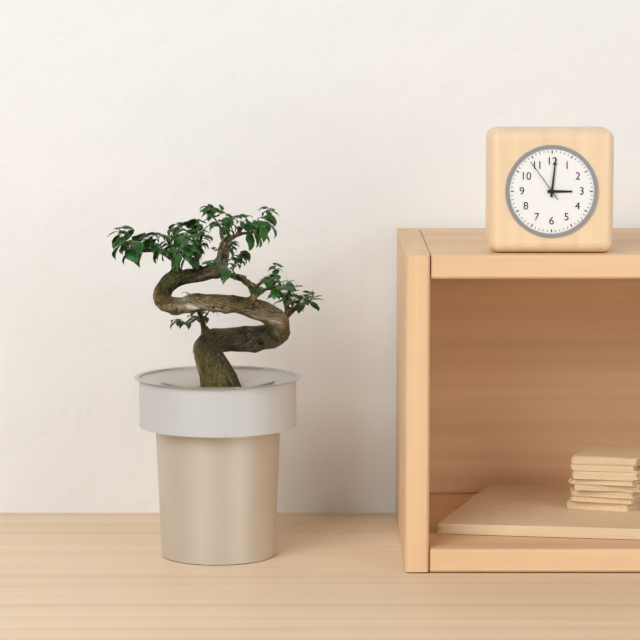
3:01
